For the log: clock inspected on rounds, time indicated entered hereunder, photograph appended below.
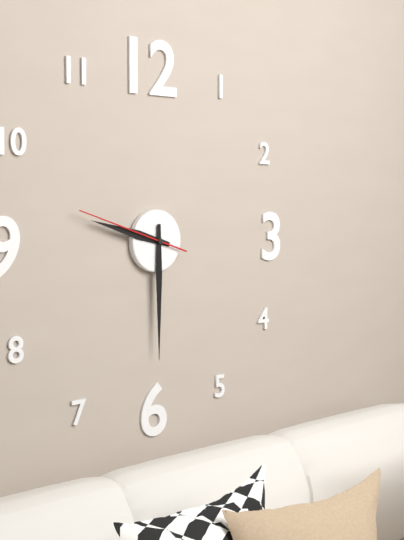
9:30:48
